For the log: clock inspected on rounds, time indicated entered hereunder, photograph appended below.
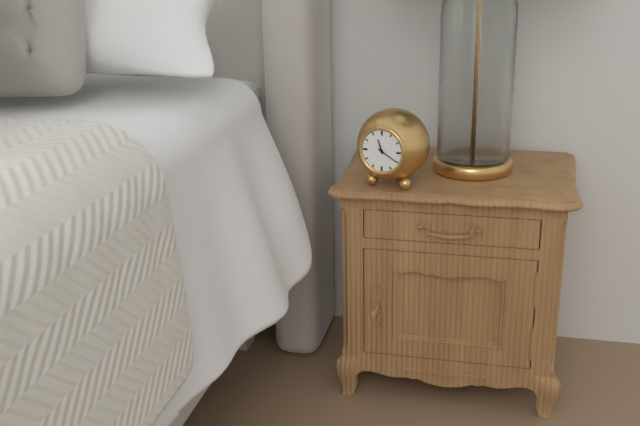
11:20
